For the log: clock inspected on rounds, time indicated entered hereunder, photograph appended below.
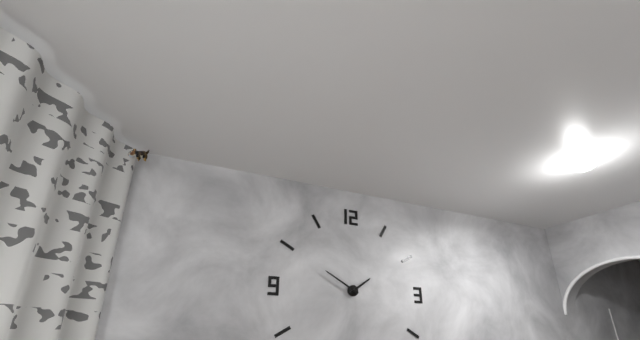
1:50
